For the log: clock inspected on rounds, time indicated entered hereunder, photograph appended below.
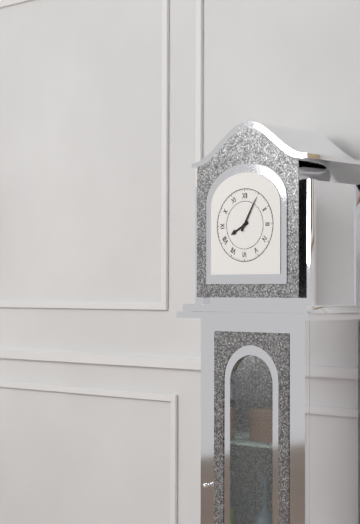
8:05
